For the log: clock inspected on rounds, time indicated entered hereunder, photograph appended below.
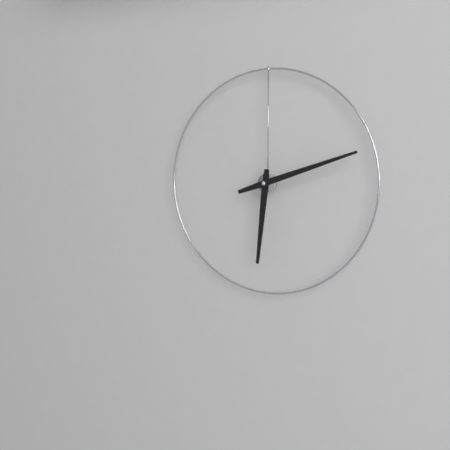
6:12
